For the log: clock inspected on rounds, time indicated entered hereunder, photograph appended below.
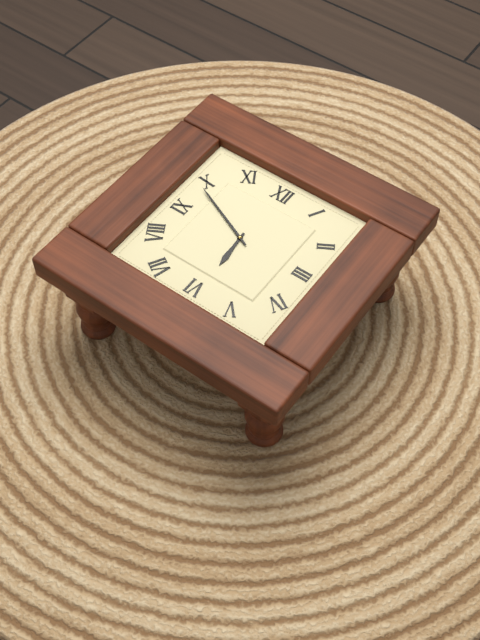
5:49
